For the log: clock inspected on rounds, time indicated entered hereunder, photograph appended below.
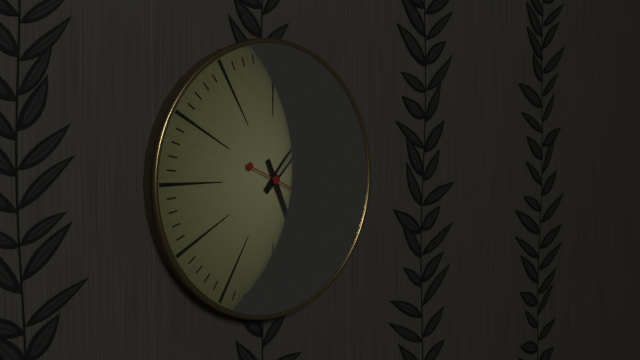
1:26:19
